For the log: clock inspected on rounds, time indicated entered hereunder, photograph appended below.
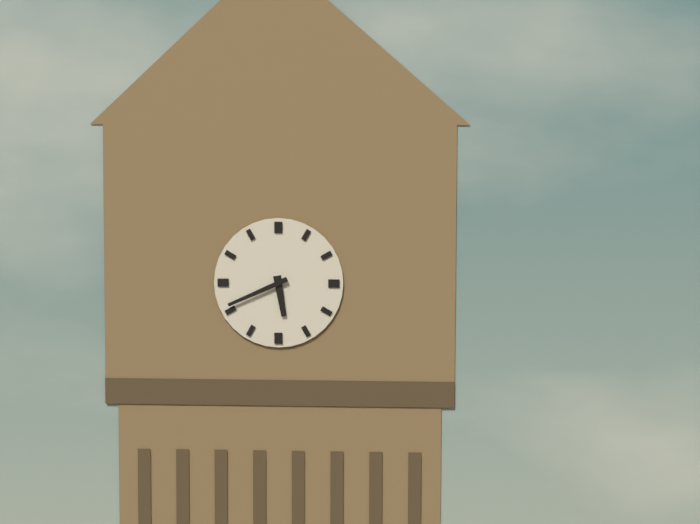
5:41
